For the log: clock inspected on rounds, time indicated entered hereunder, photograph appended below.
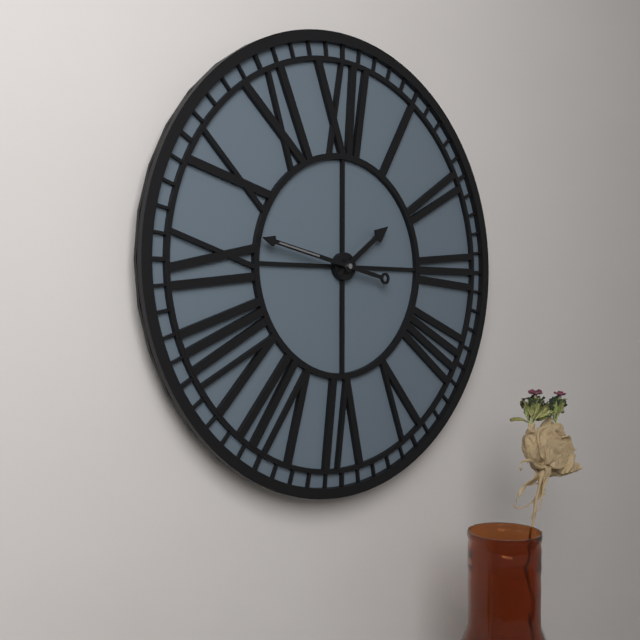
1:47
